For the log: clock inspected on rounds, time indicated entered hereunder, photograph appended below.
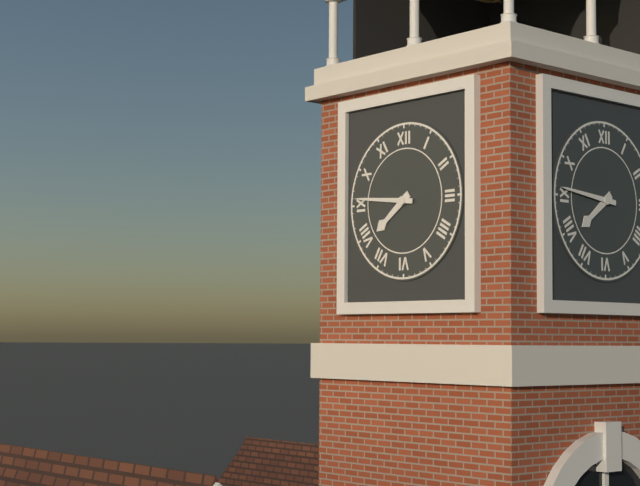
7:46
